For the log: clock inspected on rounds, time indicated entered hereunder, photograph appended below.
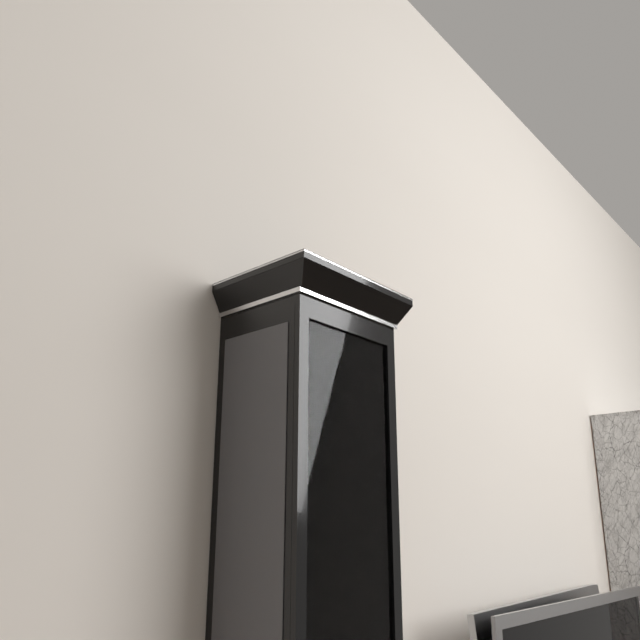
8:01
